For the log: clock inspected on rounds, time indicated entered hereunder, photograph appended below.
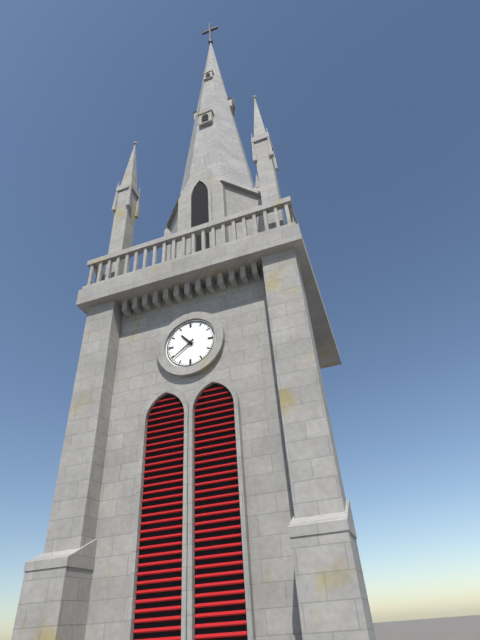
10:39
